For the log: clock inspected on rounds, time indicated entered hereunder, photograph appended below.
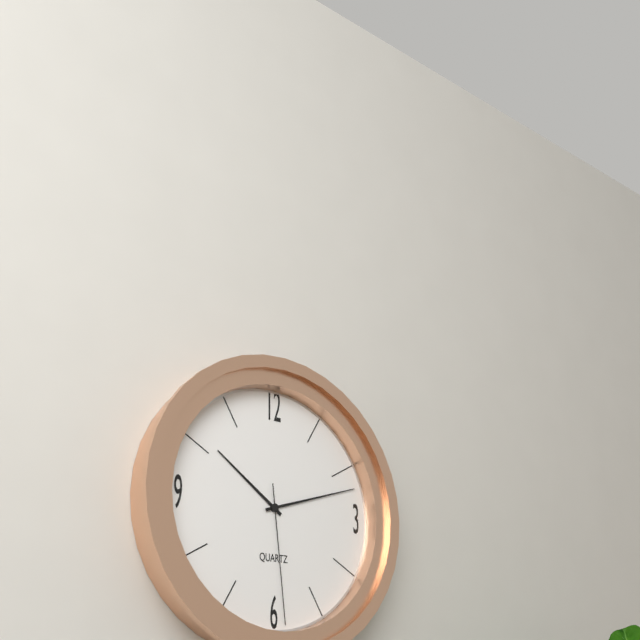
10:12:29
